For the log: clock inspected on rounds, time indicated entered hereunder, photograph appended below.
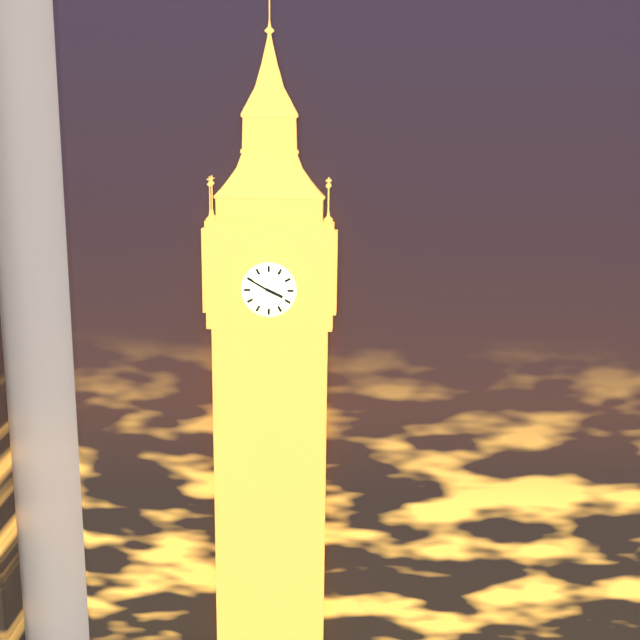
3:50
